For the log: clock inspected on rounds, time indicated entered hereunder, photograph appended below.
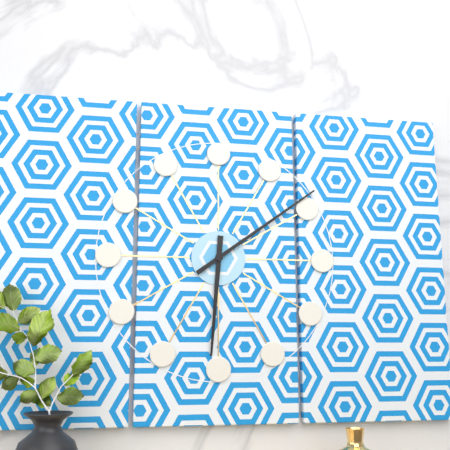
6:09
